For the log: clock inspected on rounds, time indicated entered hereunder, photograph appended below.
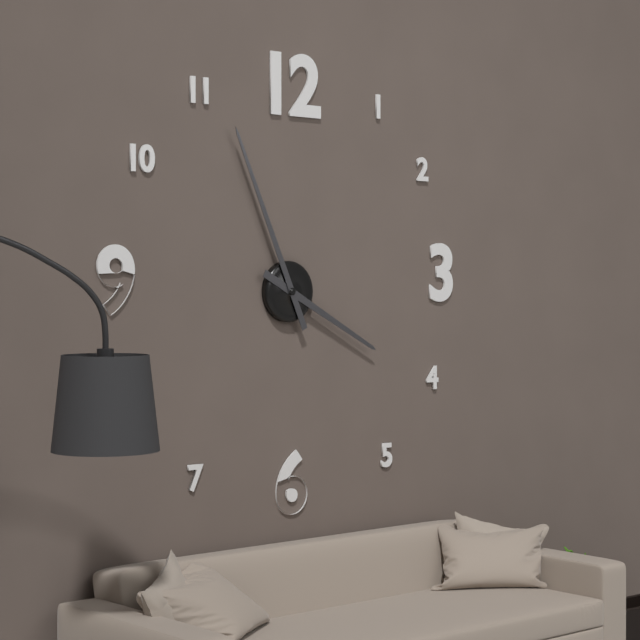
3:56
